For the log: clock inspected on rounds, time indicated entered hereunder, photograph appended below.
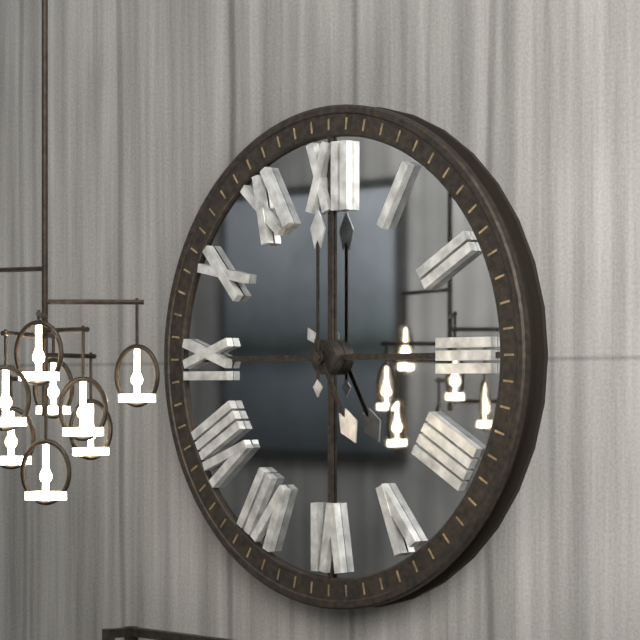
5:00
